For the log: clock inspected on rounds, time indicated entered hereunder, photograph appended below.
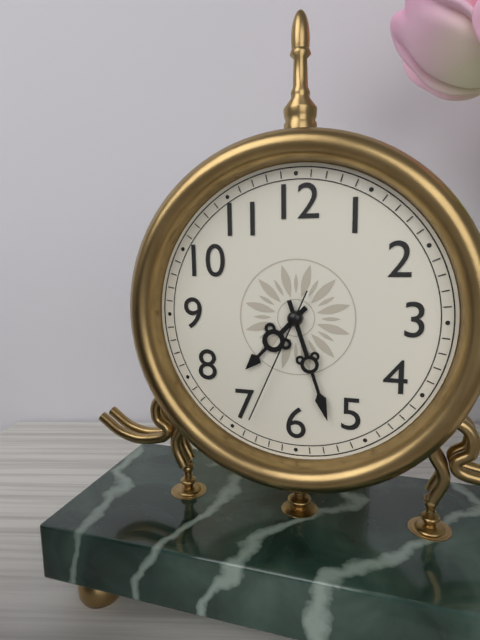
7:27:34
